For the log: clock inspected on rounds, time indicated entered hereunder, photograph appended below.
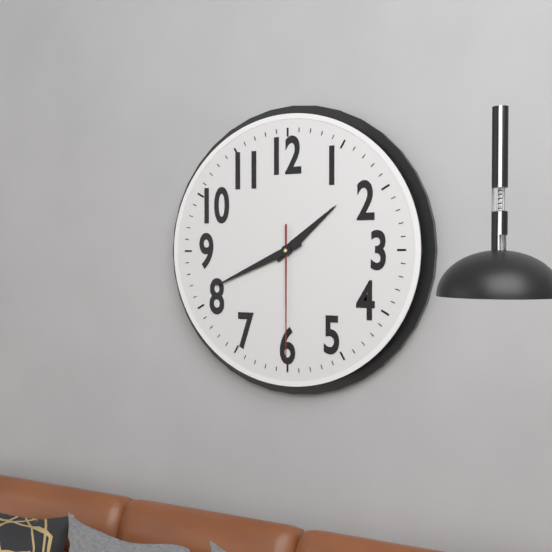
1:41:30
